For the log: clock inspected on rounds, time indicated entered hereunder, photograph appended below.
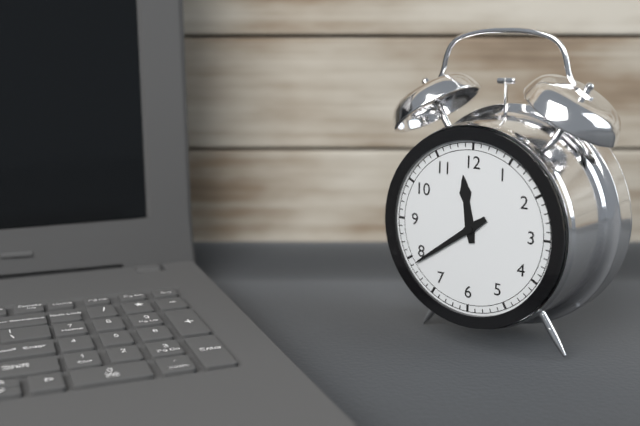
11:39
